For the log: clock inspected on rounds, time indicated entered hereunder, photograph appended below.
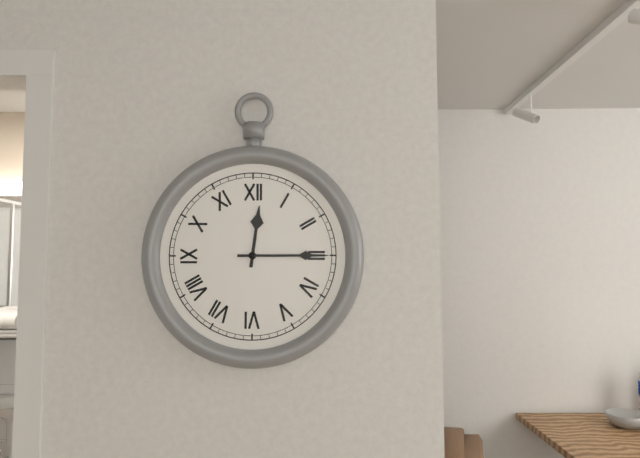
12:15
